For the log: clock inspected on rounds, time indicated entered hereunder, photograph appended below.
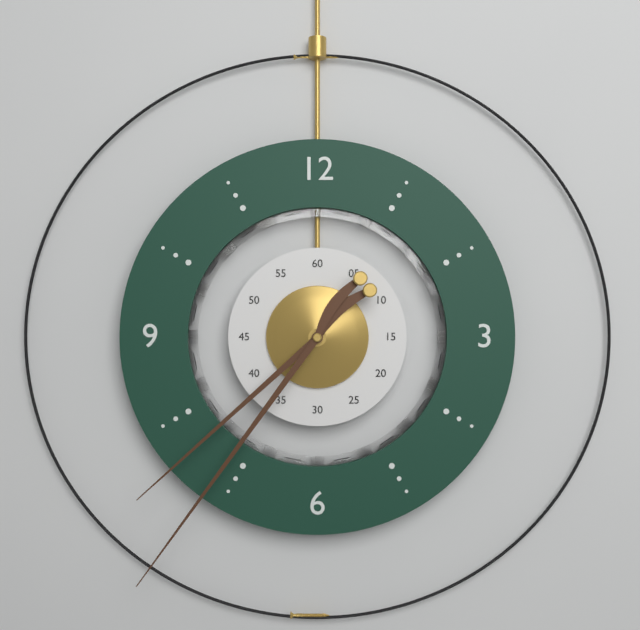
7:36
